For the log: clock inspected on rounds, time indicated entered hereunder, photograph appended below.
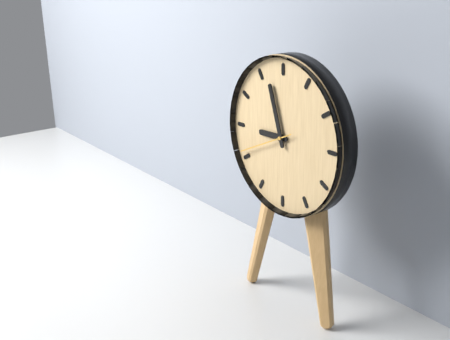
8:57:41
